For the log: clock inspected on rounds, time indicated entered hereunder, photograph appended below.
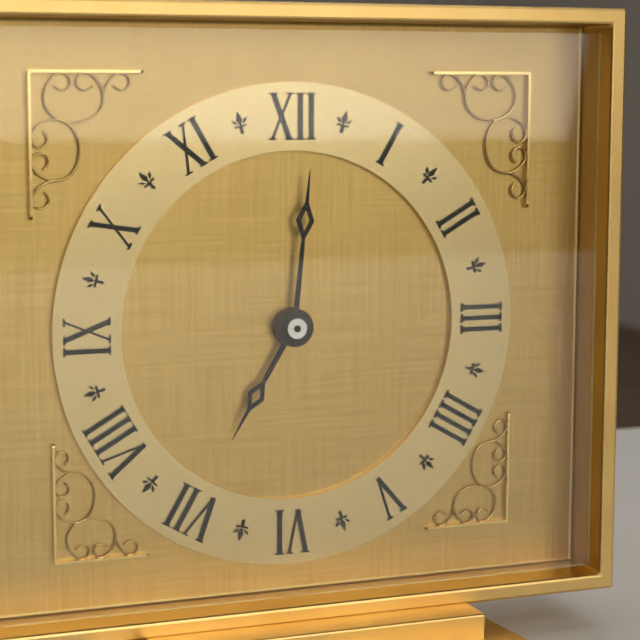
7:01
